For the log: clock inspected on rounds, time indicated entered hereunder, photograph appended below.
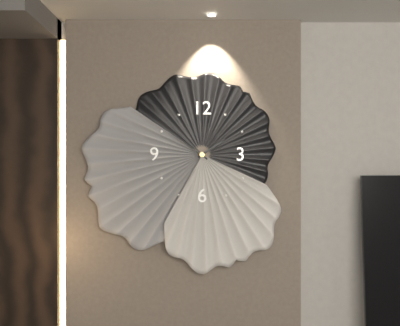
1:52
